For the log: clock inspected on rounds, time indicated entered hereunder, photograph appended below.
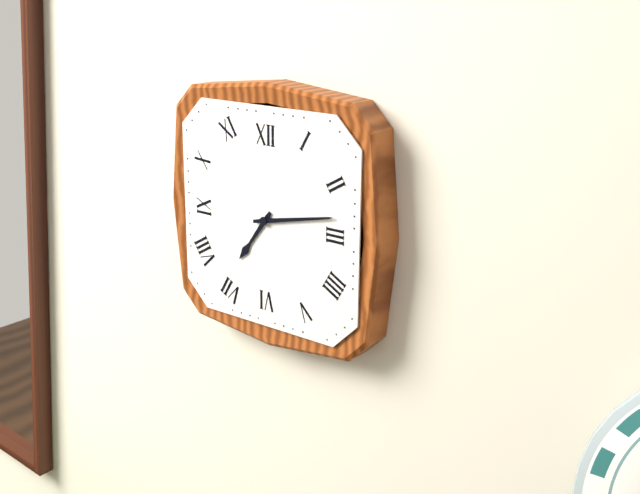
7:13
